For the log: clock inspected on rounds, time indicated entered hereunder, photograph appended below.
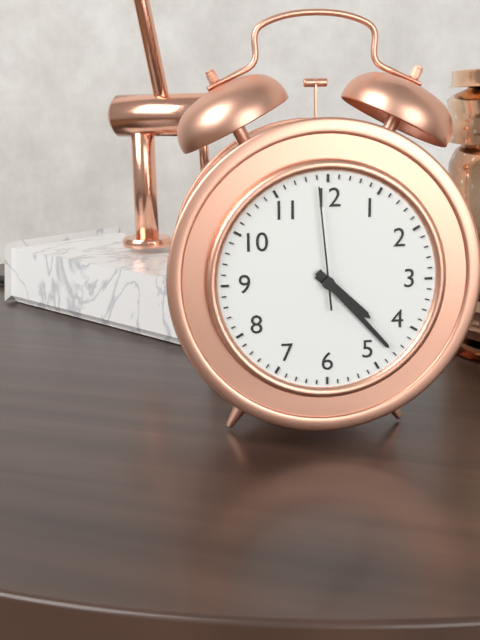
4:23:59
